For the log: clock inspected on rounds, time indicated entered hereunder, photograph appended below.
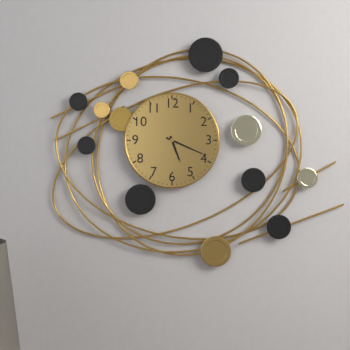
5:19
